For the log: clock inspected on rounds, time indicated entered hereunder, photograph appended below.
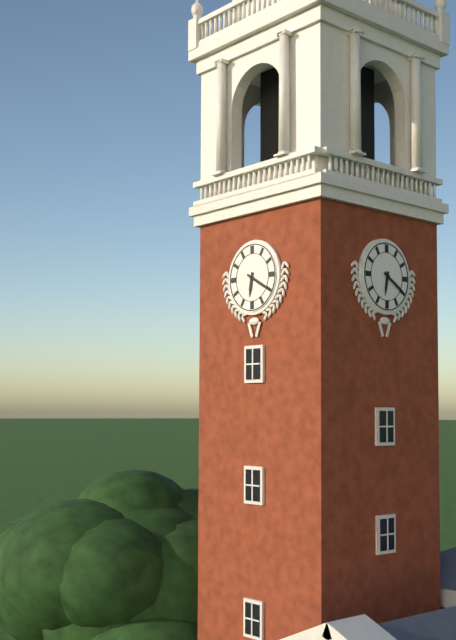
6:20
